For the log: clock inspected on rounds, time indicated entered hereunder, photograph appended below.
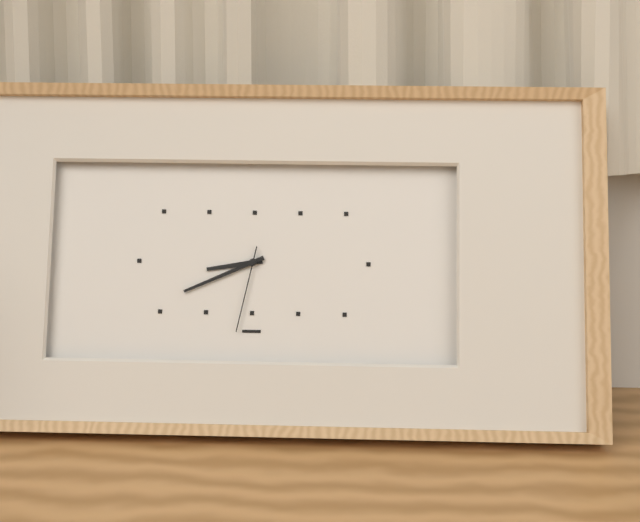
8:41:32
